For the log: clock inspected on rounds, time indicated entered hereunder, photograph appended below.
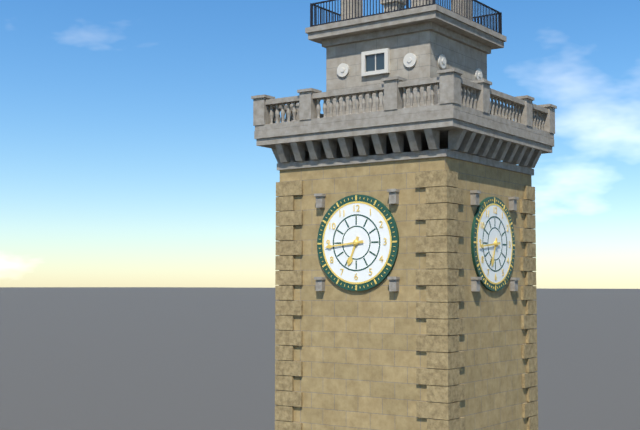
6:44
